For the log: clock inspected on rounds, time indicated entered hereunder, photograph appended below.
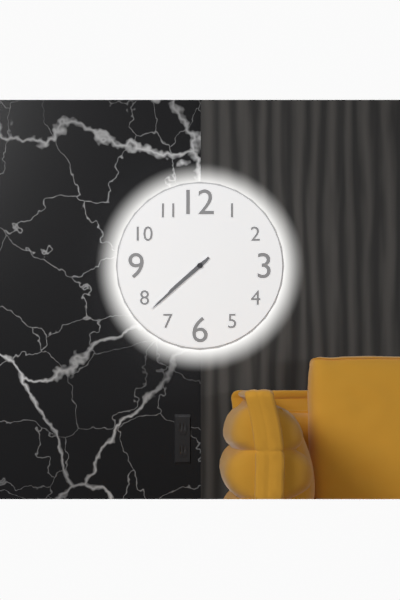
7:38
